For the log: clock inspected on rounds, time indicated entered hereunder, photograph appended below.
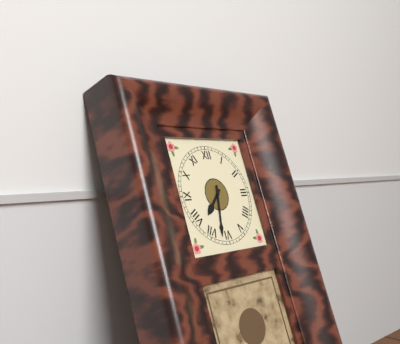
7:32
